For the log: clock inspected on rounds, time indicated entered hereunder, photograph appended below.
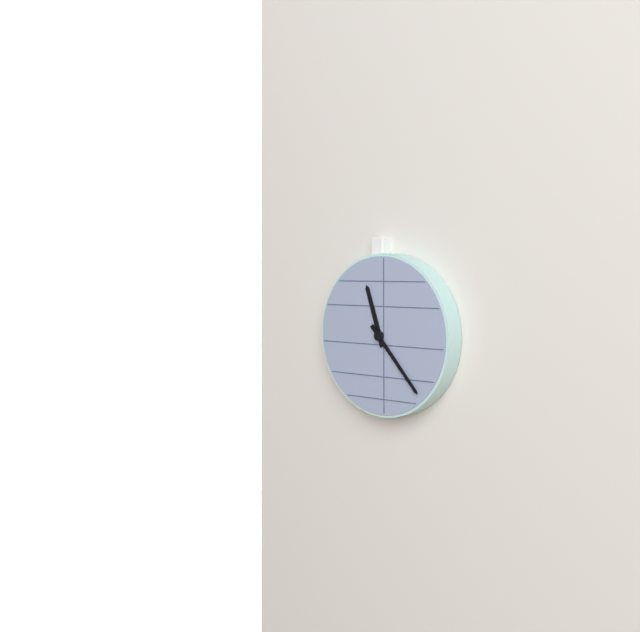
11:23
